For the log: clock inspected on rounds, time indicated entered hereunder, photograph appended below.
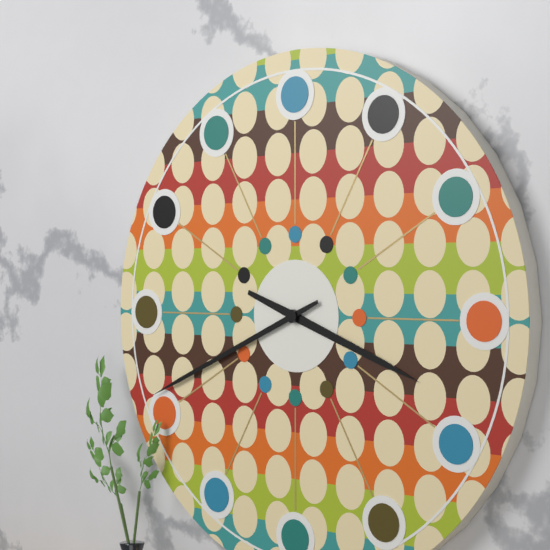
3:41
